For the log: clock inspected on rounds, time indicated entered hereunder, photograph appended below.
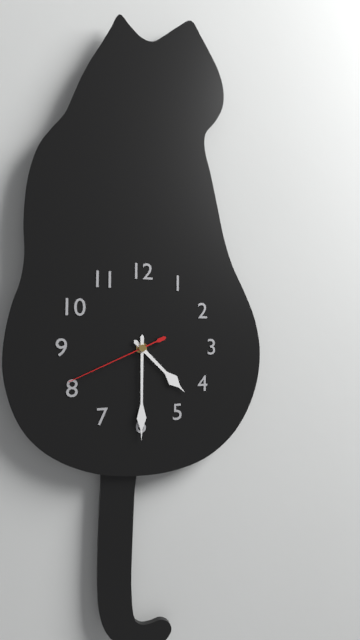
4:30:41
